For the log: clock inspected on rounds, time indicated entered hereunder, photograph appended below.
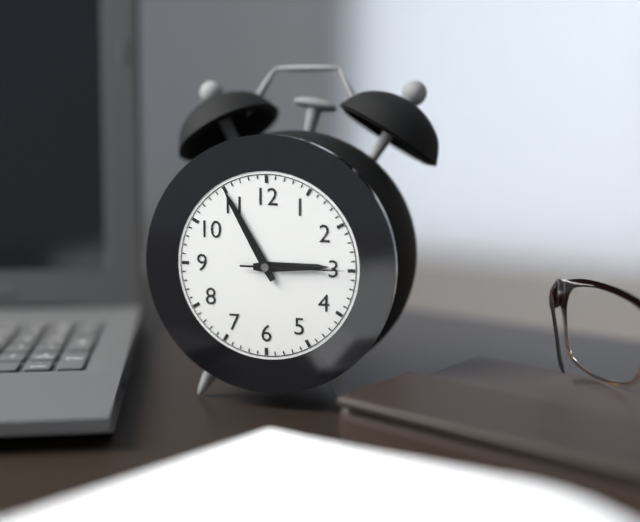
2:55:15
